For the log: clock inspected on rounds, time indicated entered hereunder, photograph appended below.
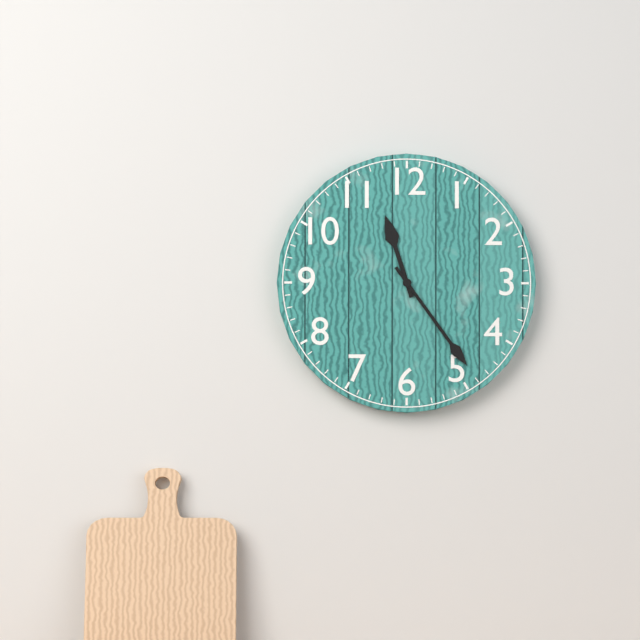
11:24
